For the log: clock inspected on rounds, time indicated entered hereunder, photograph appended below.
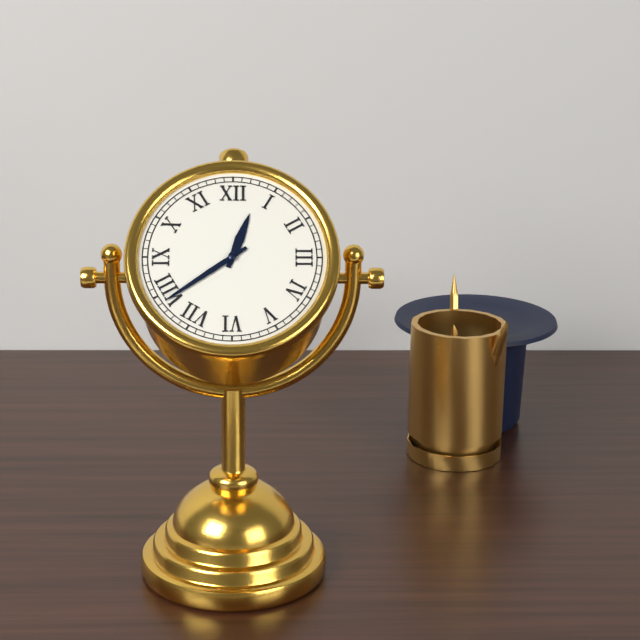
12:39
